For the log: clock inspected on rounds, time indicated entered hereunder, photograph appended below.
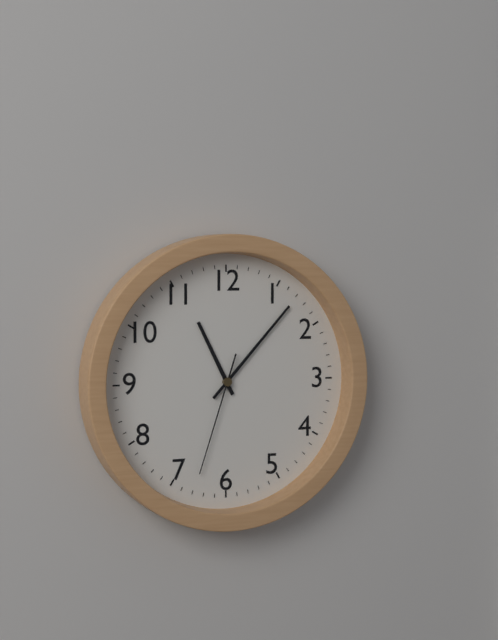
11:07:33
